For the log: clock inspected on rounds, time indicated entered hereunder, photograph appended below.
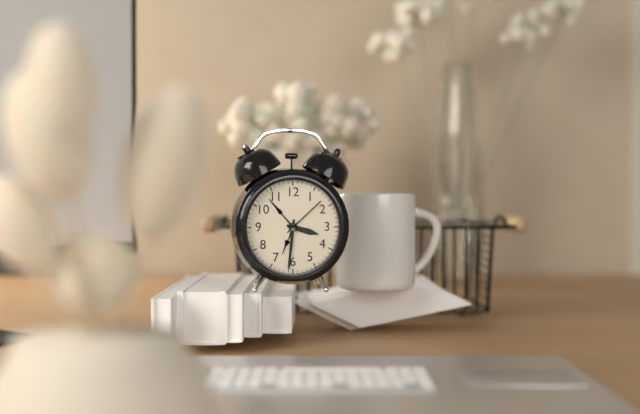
3:31
